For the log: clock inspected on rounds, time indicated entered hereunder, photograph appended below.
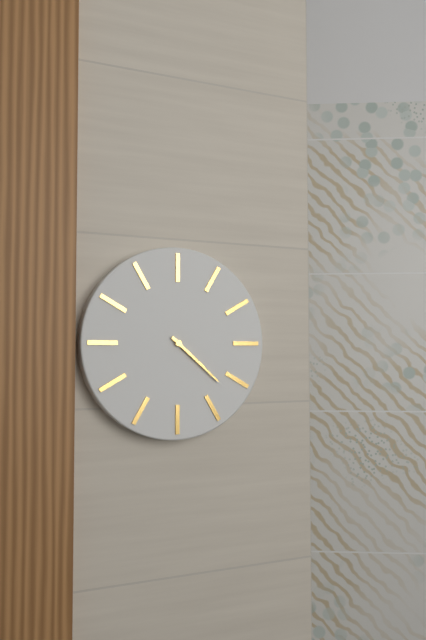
4:22
